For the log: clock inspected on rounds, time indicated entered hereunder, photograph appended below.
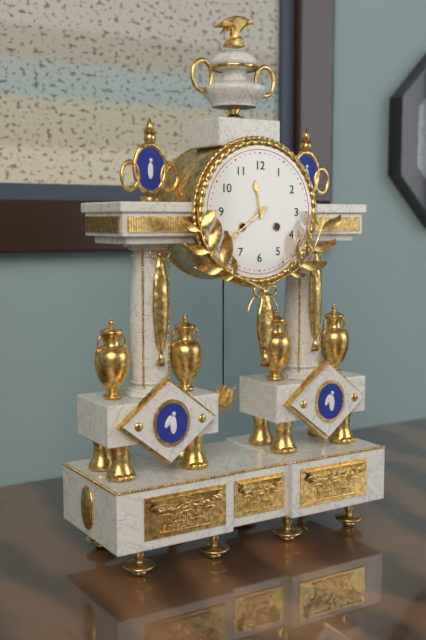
11:39
